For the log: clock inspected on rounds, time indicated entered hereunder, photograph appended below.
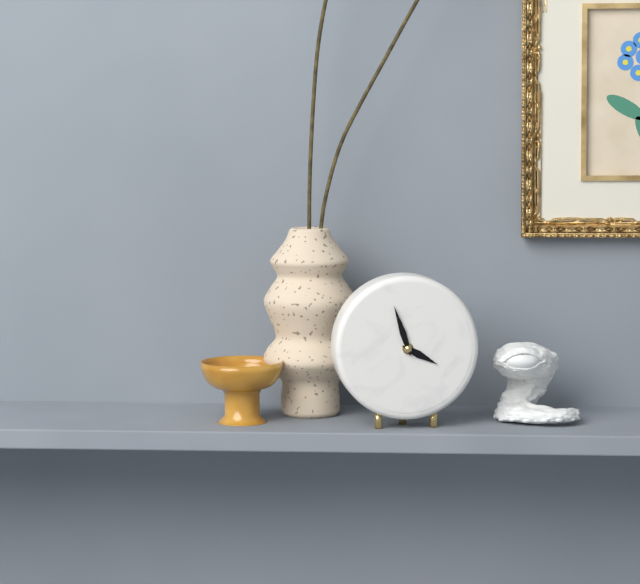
3:57
